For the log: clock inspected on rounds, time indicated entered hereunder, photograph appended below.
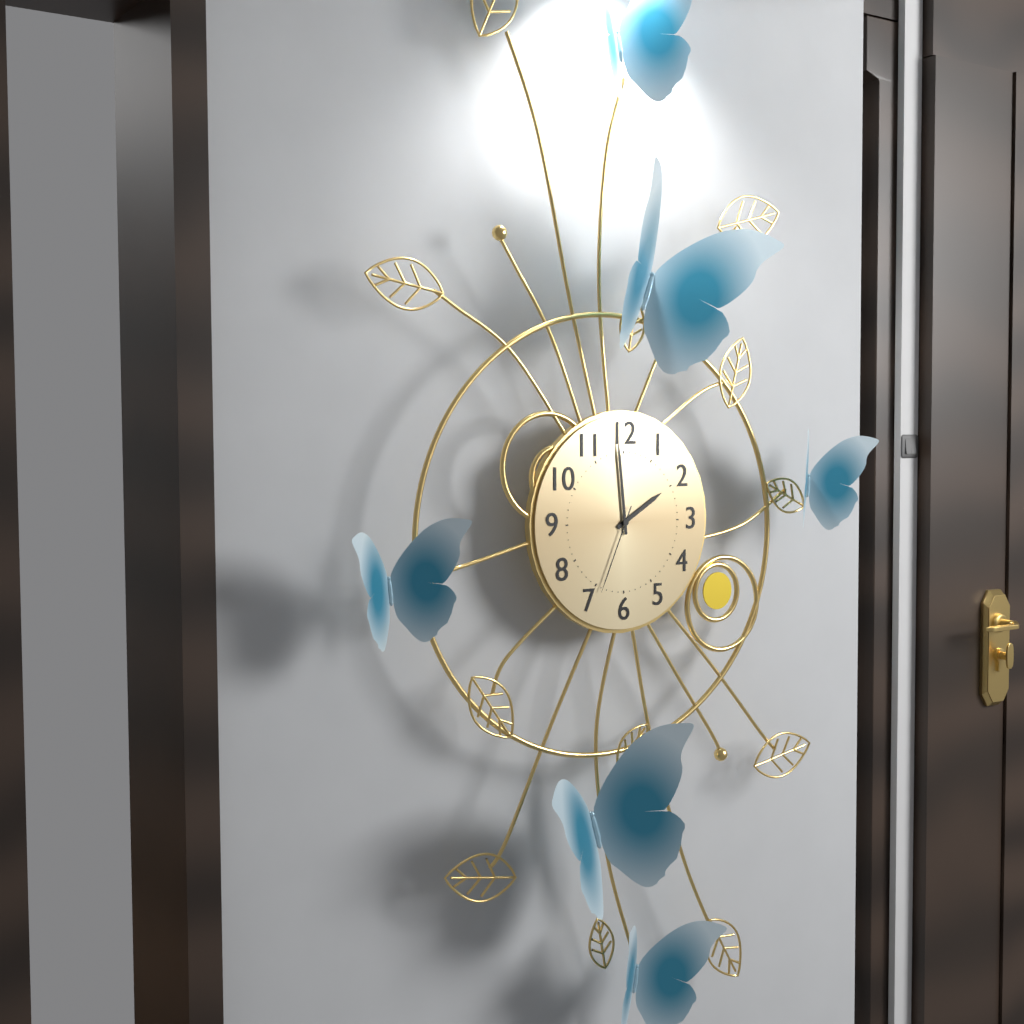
1:59:34
